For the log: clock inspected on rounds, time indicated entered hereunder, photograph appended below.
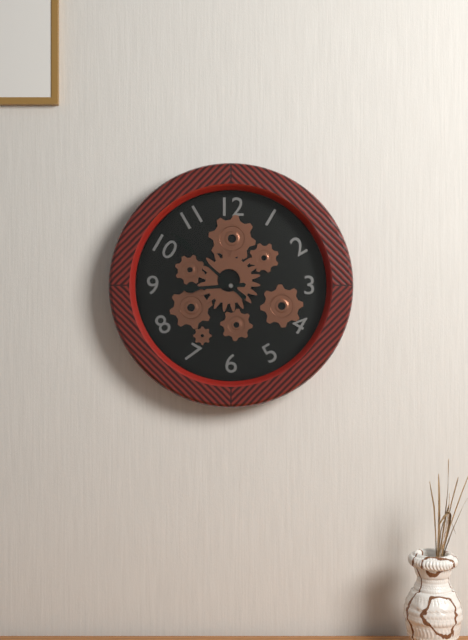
8:52
